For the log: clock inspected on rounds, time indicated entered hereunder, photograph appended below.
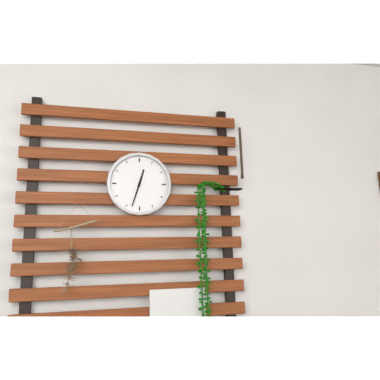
12:33
